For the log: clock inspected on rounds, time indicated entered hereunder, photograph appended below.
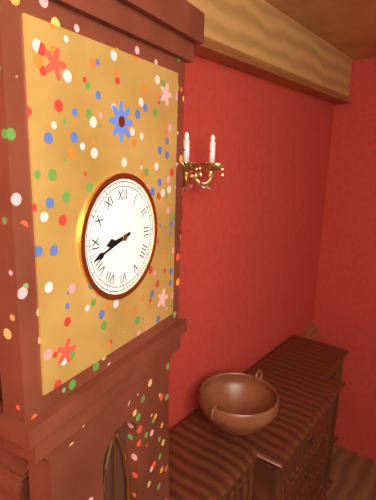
8:42
